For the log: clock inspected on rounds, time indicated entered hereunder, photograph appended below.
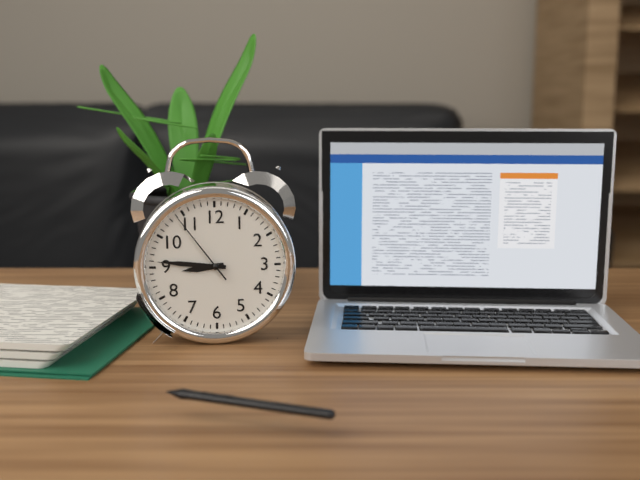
8:46:54
